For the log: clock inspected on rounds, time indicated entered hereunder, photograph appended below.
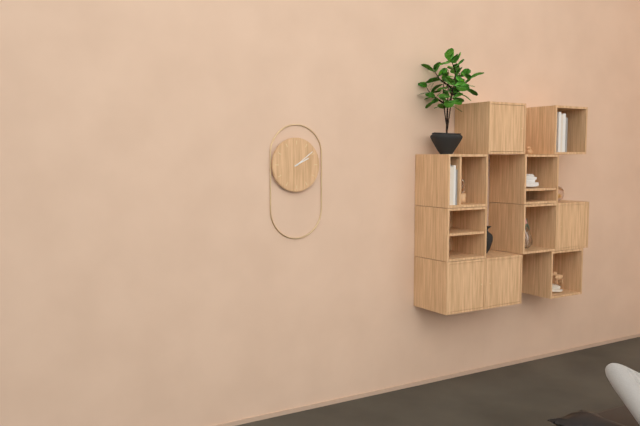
2:09
